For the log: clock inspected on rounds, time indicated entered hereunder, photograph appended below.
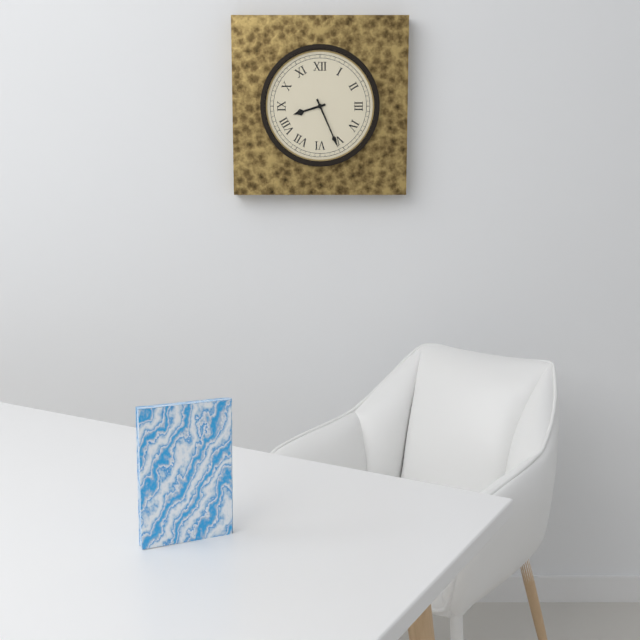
8:26
